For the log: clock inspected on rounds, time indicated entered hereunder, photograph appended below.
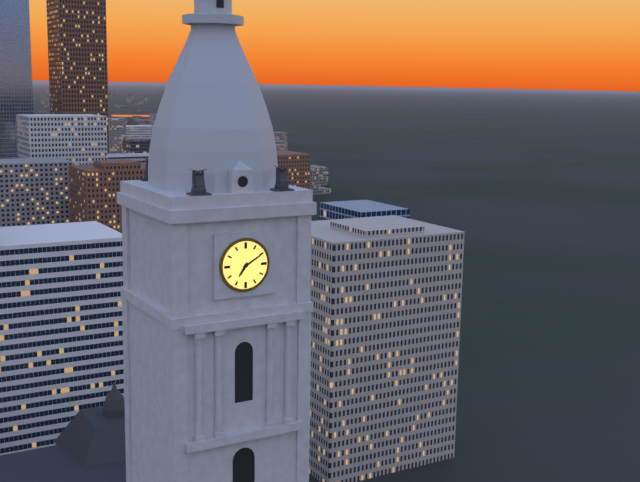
7:10
